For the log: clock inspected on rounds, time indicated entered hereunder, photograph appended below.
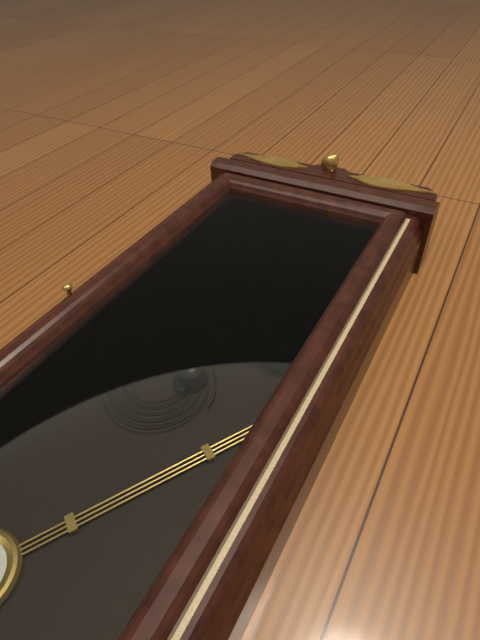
11:38
